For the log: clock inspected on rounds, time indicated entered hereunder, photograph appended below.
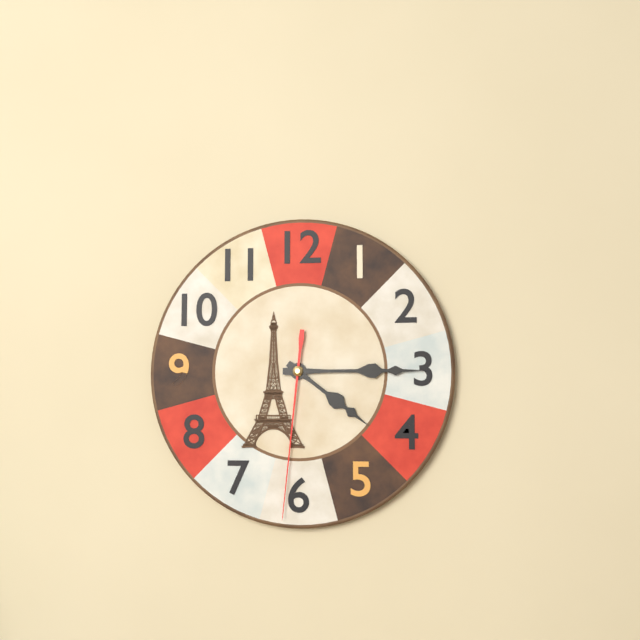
4:15:31
